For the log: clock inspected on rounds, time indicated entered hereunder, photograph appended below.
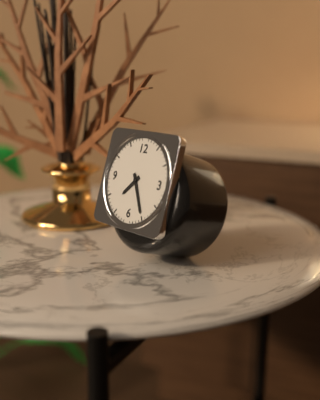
7:25
